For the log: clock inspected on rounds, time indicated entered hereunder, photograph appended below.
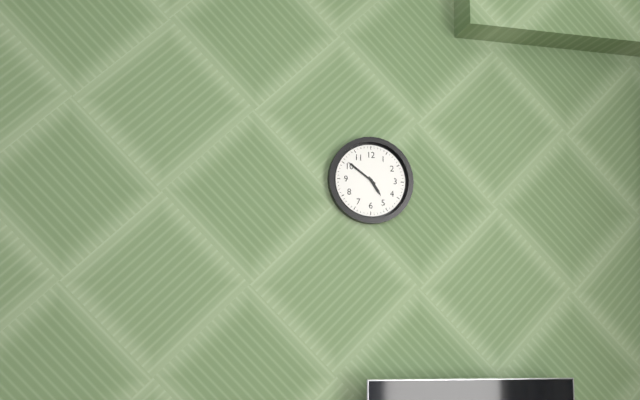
4:51
